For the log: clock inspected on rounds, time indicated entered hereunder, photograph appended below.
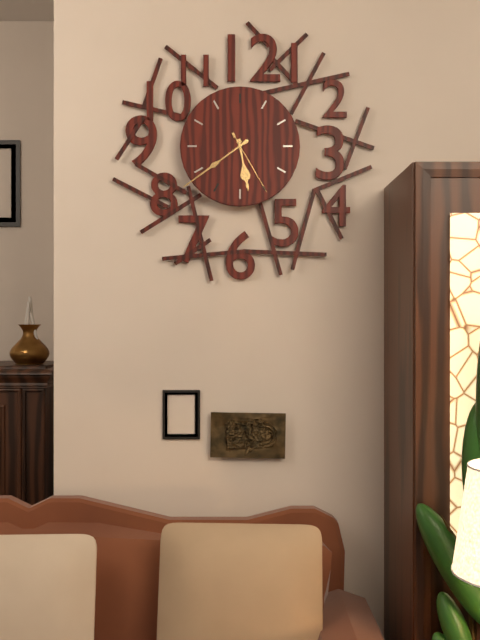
5:39:25
